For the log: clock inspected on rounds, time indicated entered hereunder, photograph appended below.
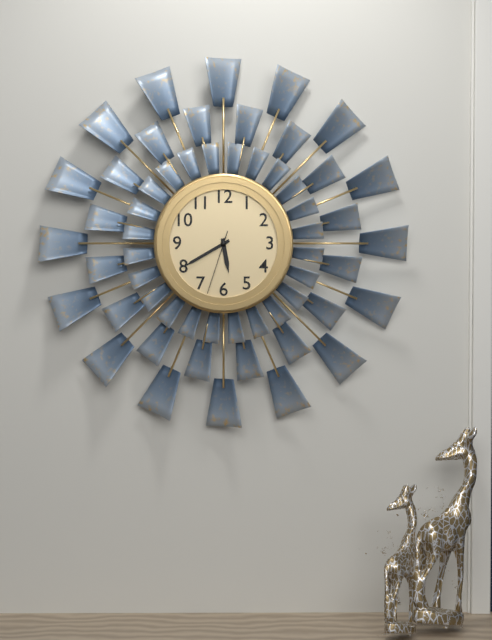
5:40:33
